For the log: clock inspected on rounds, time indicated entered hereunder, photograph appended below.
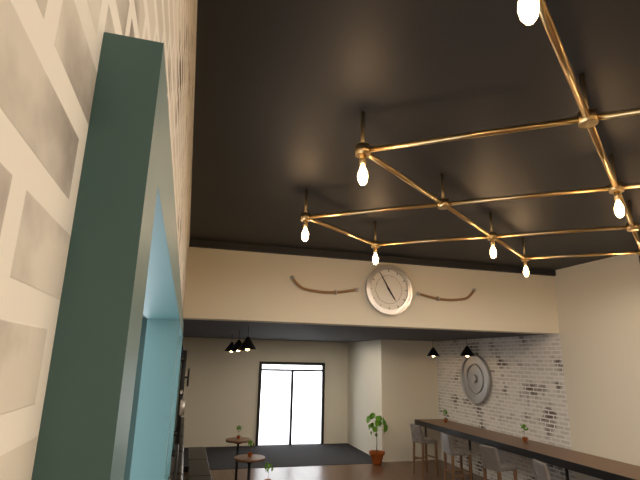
4:55
